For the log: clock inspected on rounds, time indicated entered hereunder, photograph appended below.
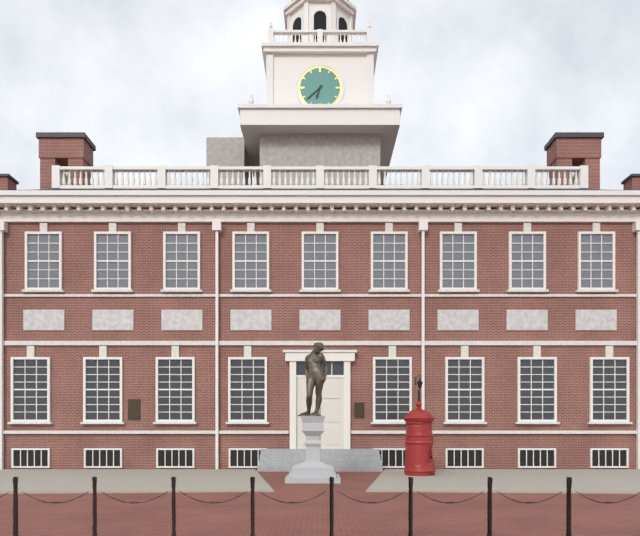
6:38
